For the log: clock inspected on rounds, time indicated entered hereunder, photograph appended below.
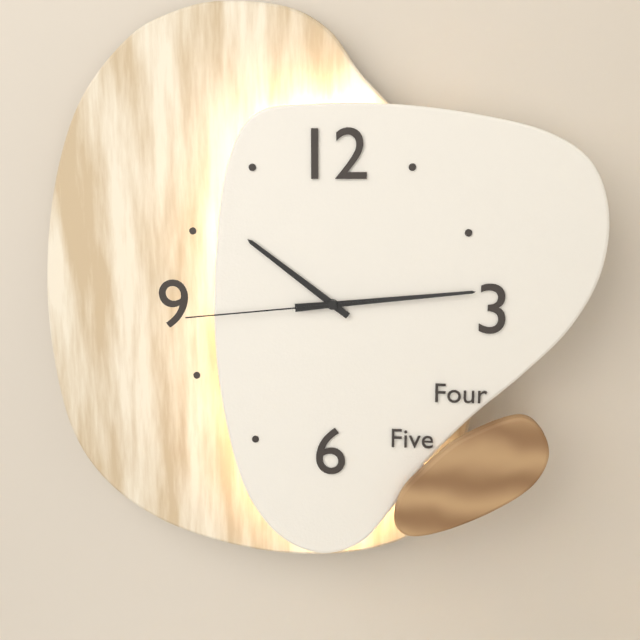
10:14:44
